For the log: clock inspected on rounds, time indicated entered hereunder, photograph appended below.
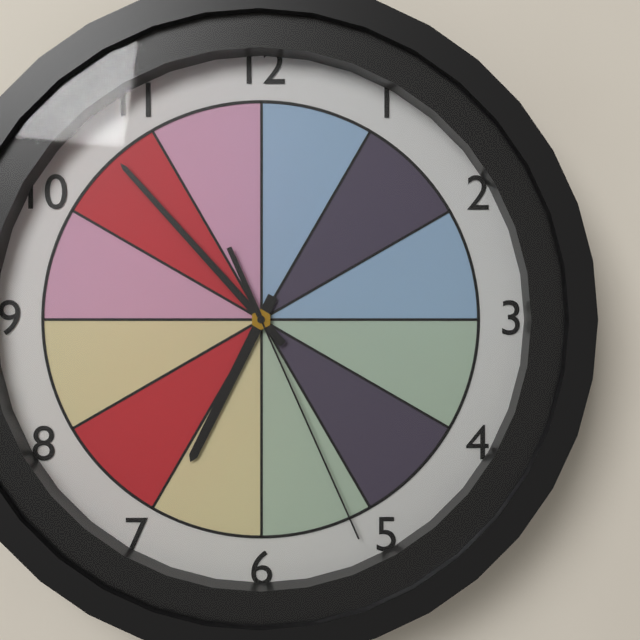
6:53:26
